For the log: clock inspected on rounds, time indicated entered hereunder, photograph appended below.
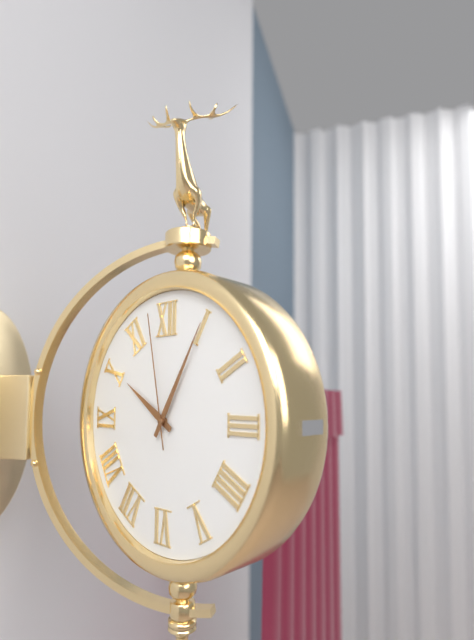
10:05:58
